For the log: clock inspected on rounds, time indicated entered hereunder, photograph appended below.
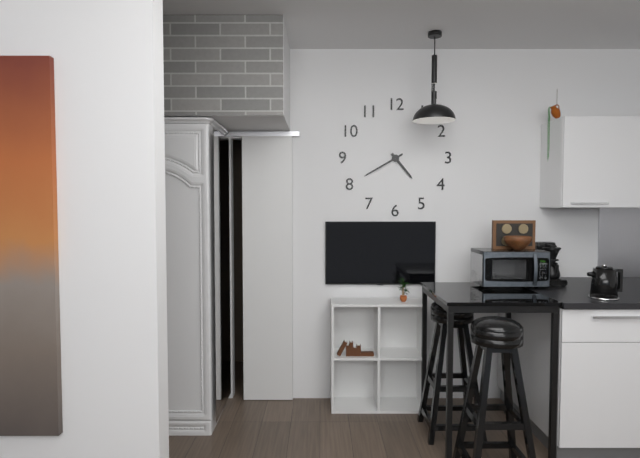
4:40
